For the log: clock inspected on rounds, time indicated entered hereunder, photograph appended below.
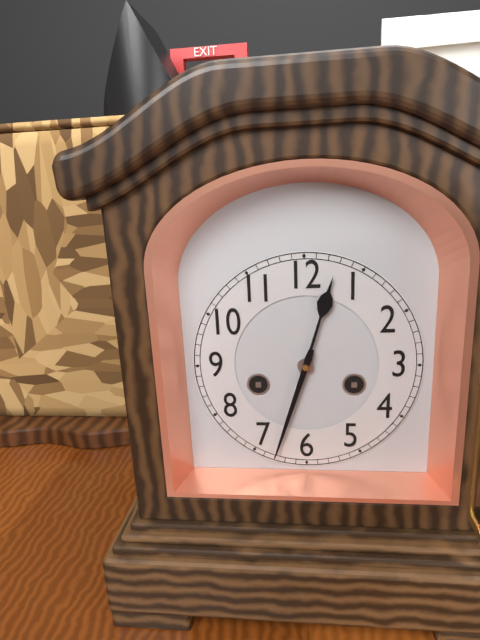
12:33
